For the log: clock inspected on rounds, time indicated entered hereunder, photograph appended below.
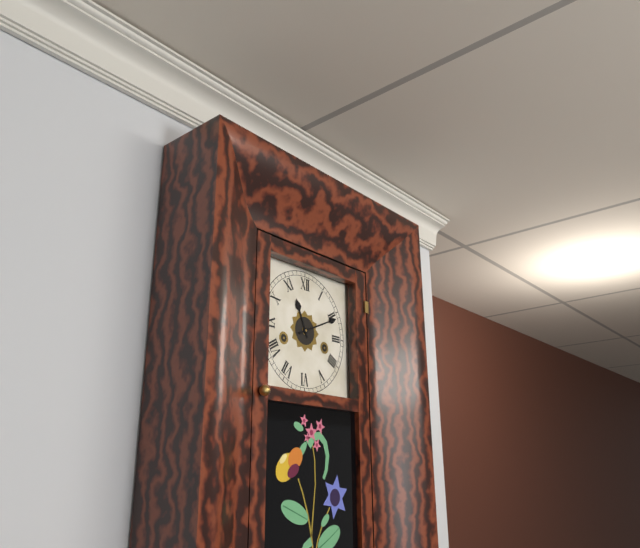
11:11
